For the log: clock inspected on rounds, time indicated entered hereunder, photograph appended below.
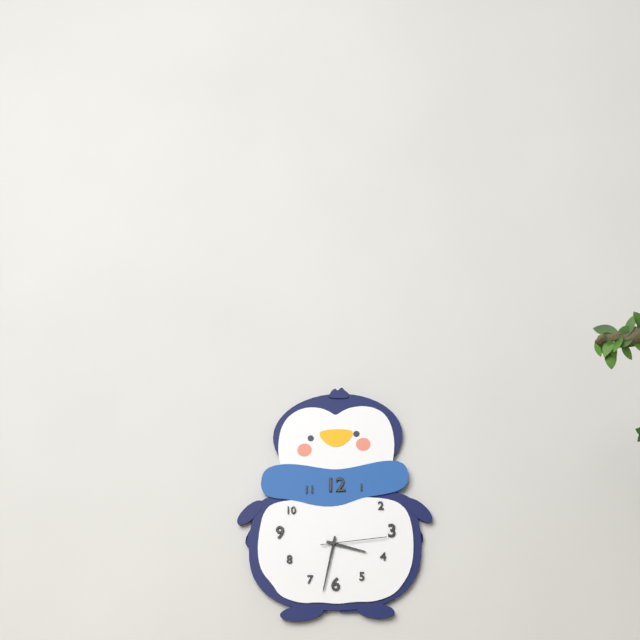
3:32:14
